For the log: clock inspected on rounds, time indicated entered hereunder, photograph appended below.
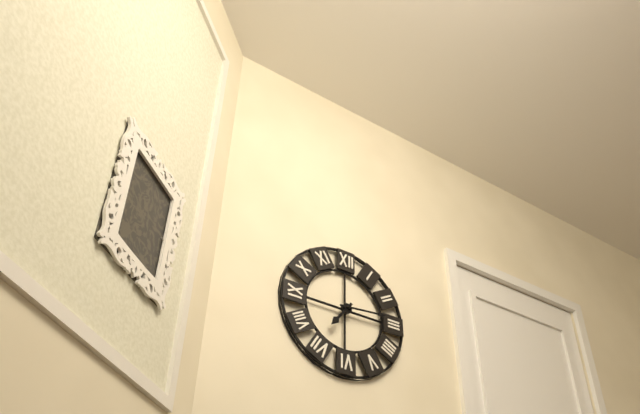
7:14
